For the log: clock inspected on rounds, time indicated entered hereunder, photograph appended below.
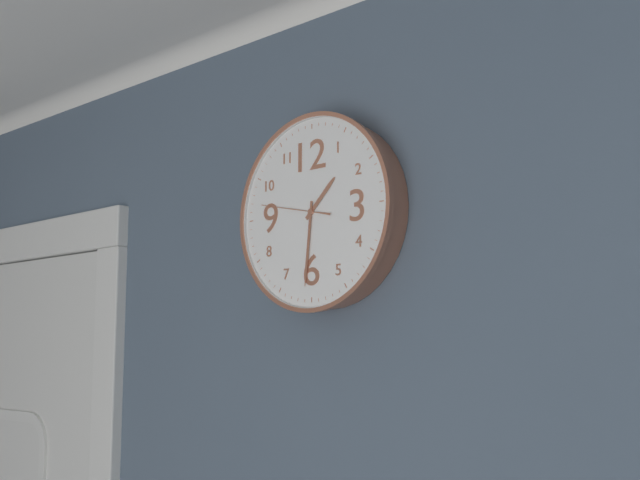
1:31:47
